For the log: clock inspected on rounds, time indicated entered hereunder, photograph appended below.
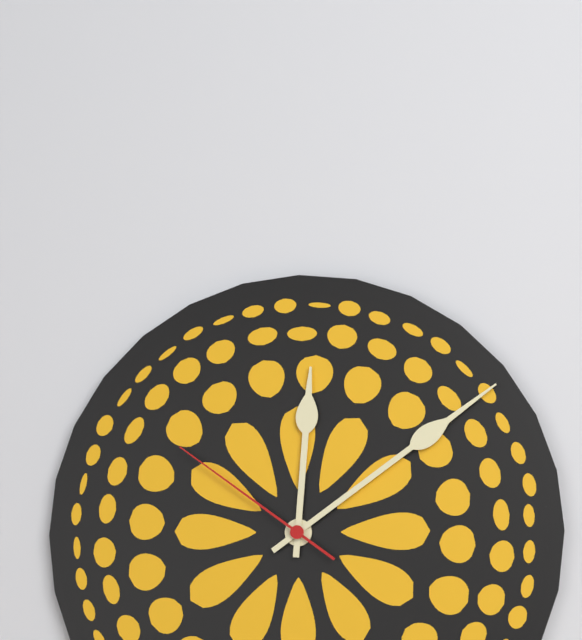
12:09:51
